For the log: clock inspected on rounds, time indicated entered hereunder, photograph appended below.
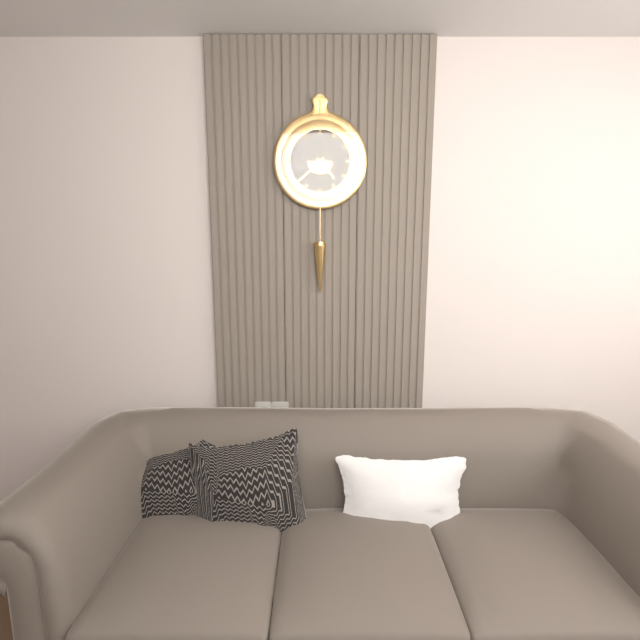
4:38
